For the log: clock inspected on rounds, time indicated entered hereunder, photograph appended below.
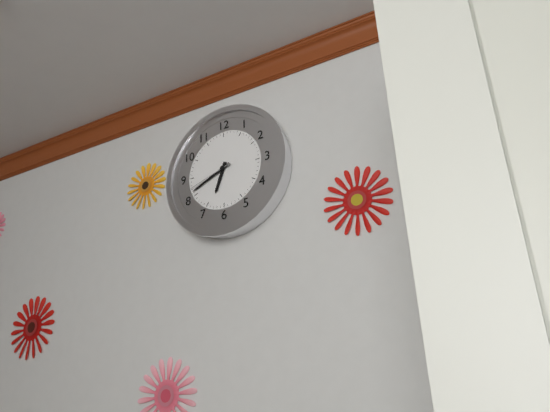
6:41
